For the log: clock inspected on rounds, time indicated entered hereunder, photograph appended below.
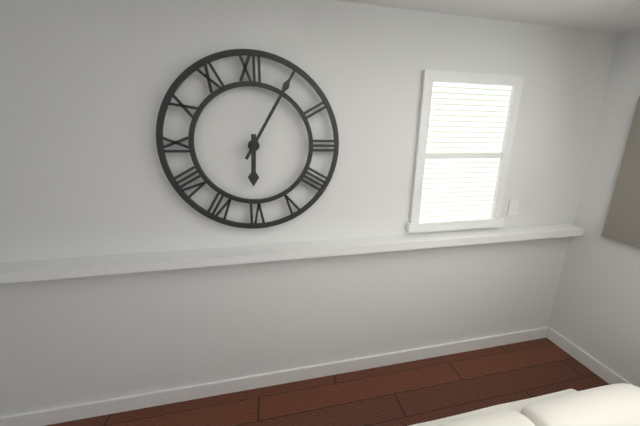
6:05
